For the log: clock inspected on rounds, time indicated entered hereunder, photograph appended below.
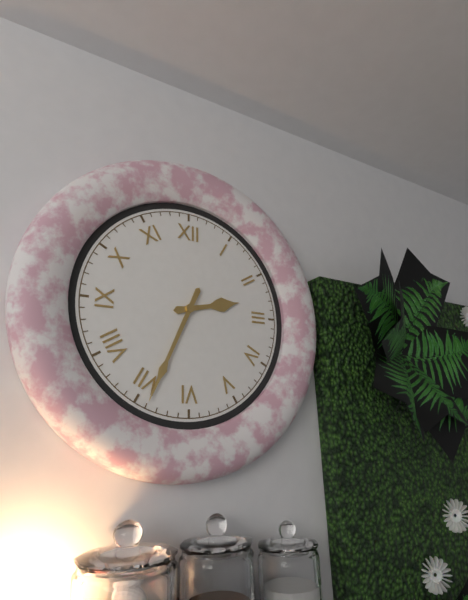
2:34
